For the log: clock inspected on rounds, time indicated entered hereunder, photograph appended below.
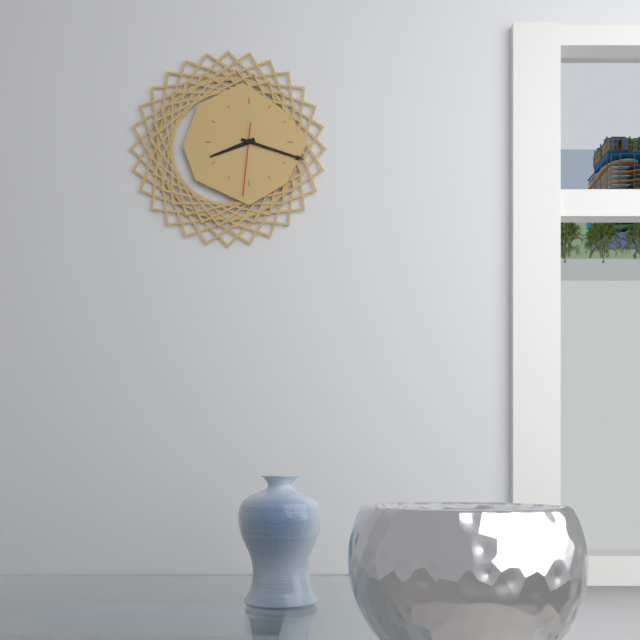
8:18:31
